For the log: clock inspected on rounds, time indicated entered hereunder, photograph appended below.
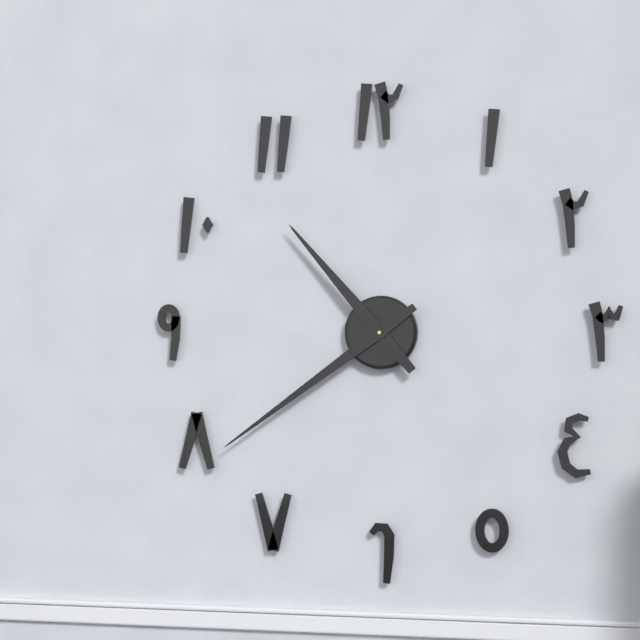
10:39
